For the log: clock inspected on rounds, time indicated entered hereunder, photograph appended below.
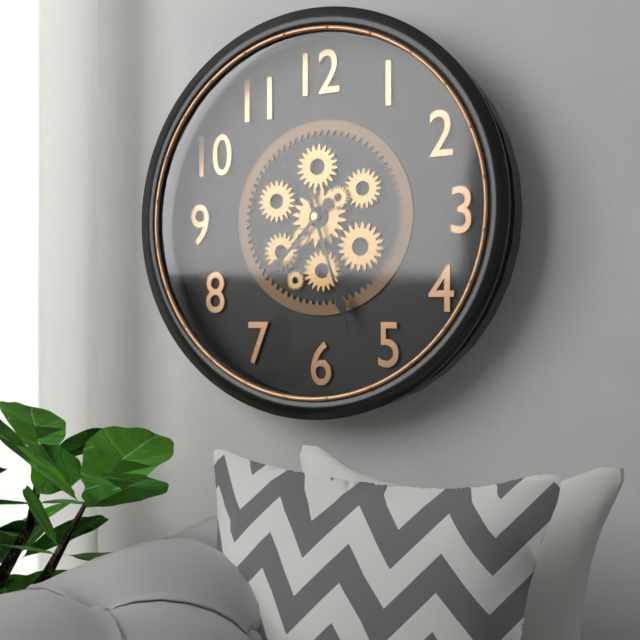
7:27
